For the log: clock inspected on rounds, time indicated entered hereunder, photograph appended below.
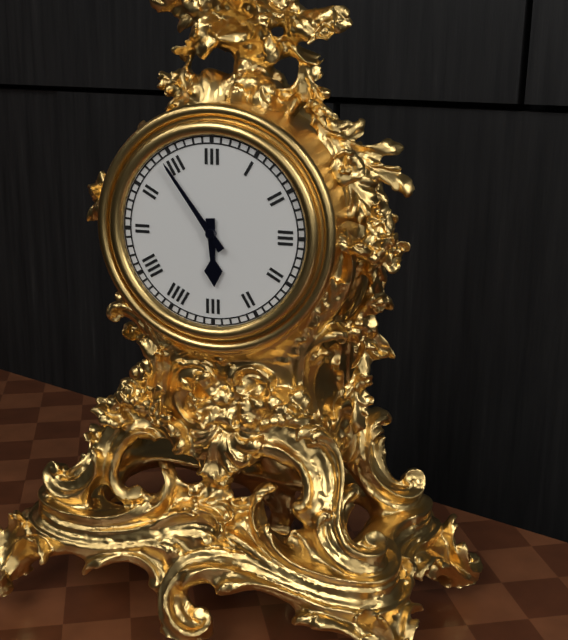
5:54
